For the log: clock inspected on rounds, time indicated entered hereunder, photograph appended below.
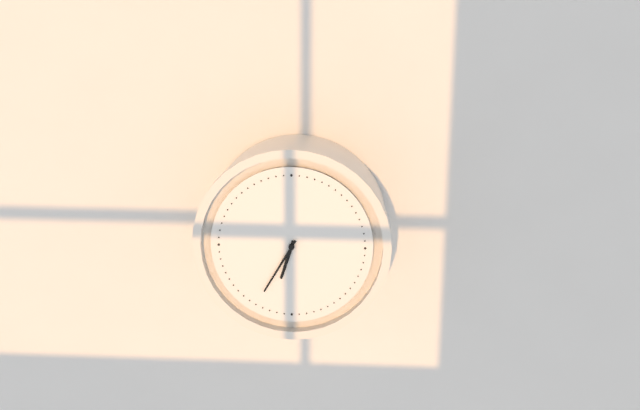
6:35
